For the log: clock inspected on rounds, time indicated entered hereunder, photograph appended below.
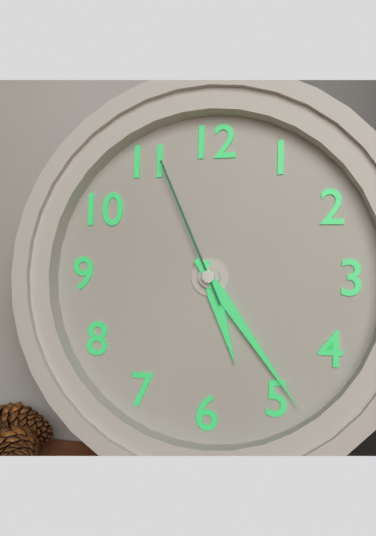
5:24:56
